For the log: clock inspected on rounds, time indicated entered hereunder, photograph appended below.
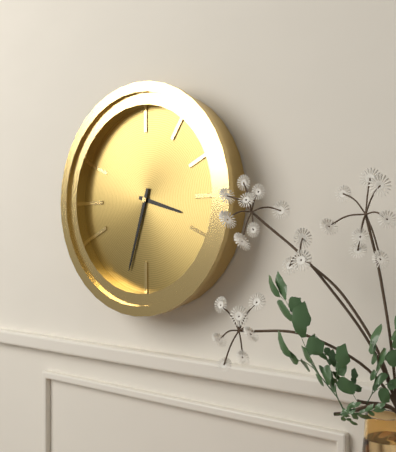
3:33
